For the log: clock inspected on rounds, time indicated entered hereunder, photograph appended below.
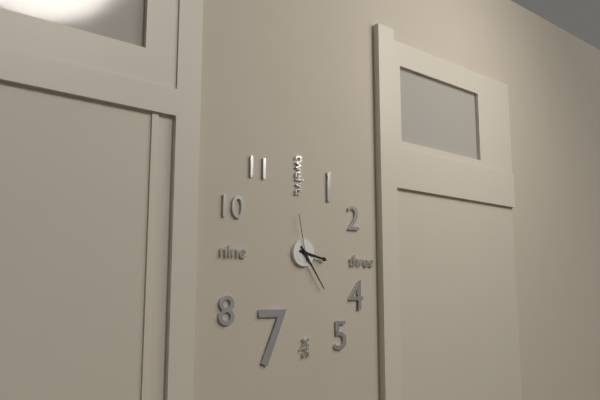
3:24
